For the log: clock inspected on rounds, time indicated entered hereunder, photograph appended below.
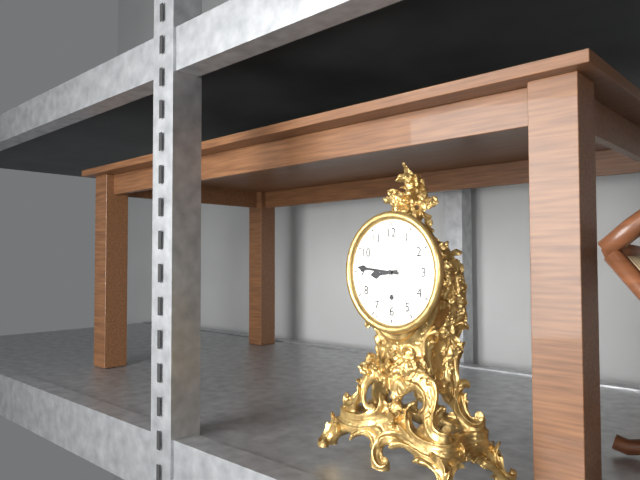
8:46
